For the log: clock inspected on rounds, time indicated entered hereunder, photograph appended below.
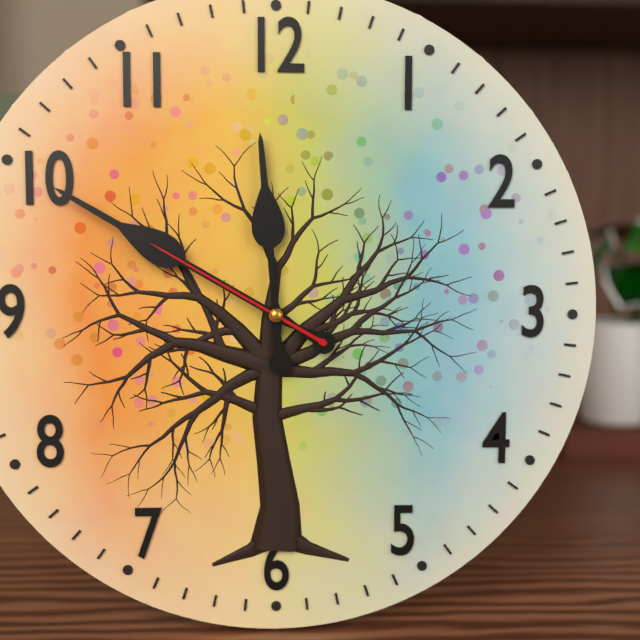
11:50:50
